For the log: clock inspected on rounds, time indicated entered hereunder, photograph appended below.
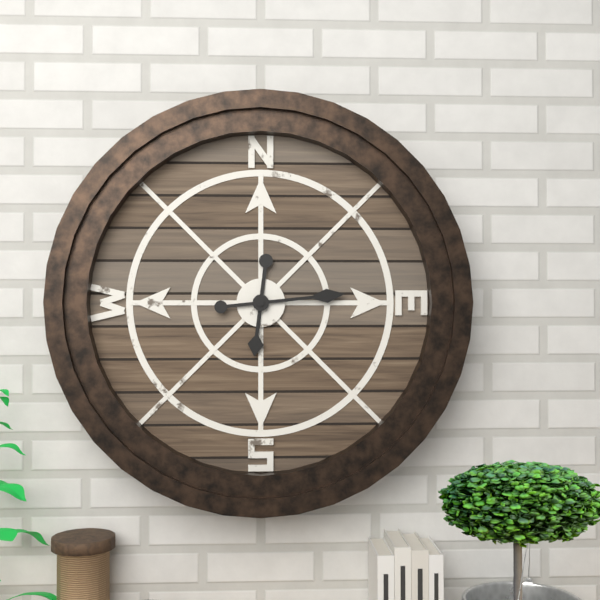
6:14
